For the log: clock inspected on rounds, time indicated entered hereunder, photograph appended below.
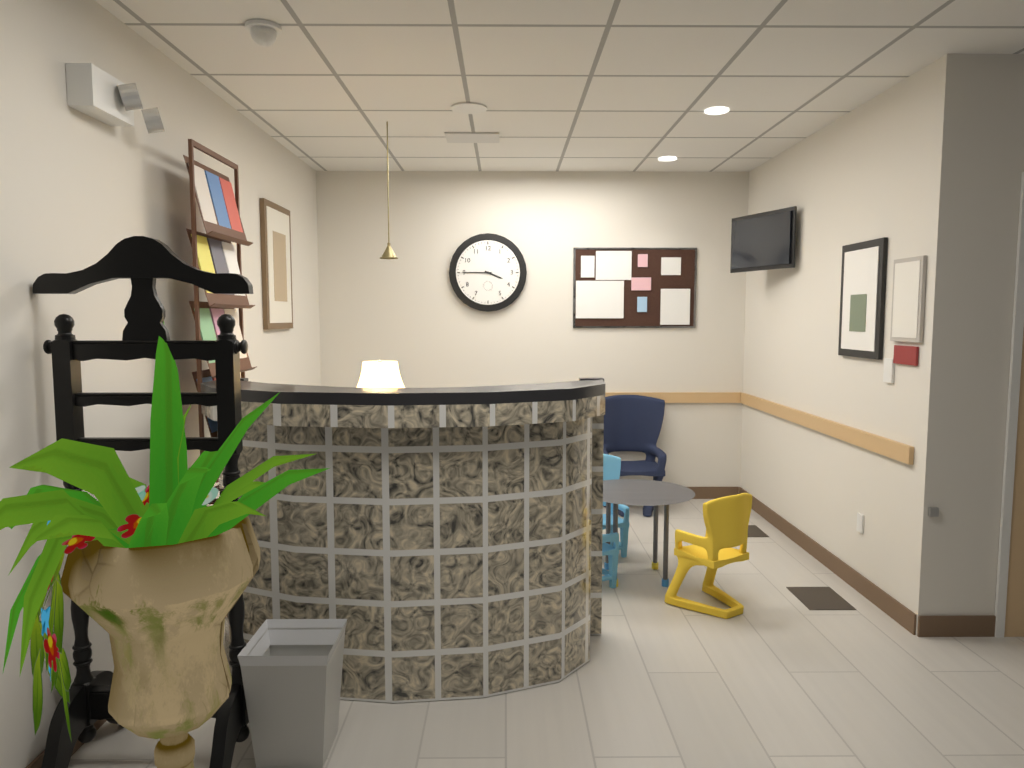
3:45
